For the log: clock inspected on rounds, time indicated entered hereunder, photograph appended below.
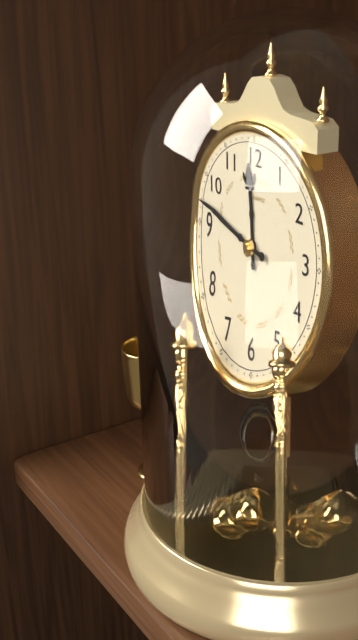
11:47
